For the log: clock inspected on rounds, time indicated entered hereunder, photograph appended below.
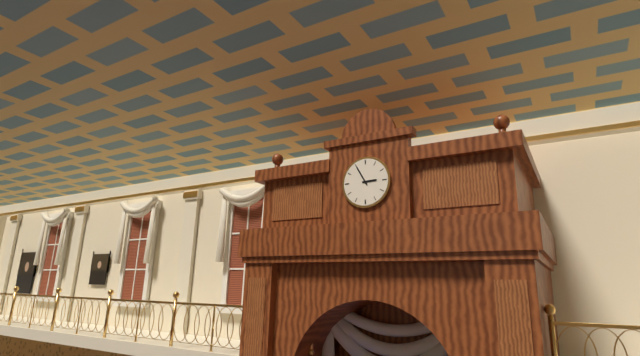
2:55
